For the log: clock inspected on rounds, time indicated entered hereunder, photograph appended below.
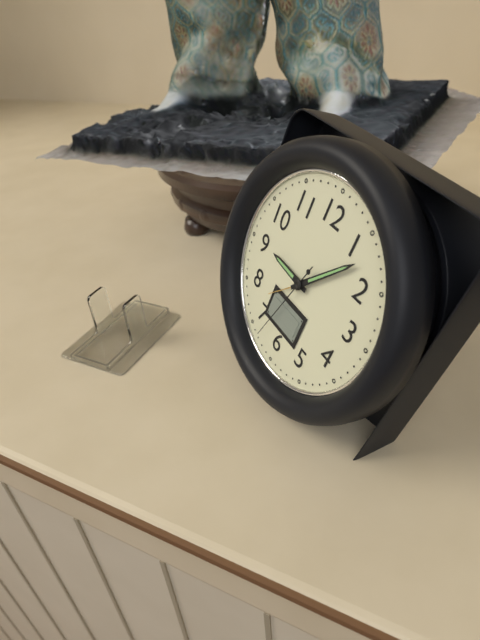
9:07:33
